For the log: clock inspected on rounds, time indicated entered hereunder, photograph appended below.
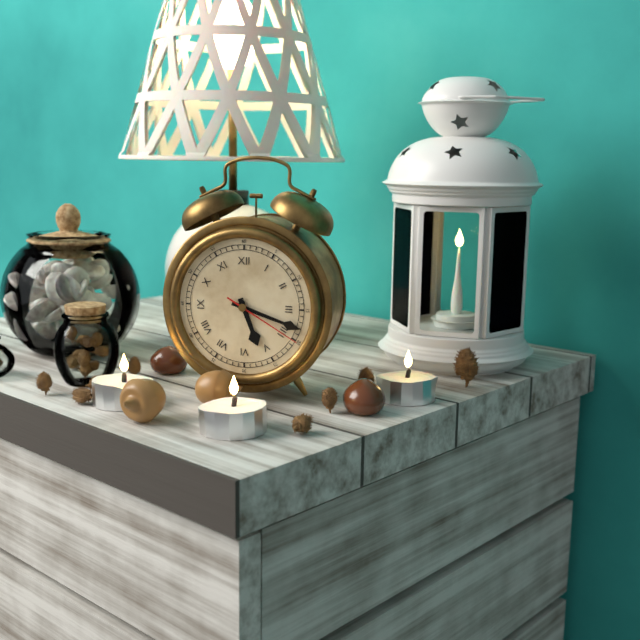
5:18:20
